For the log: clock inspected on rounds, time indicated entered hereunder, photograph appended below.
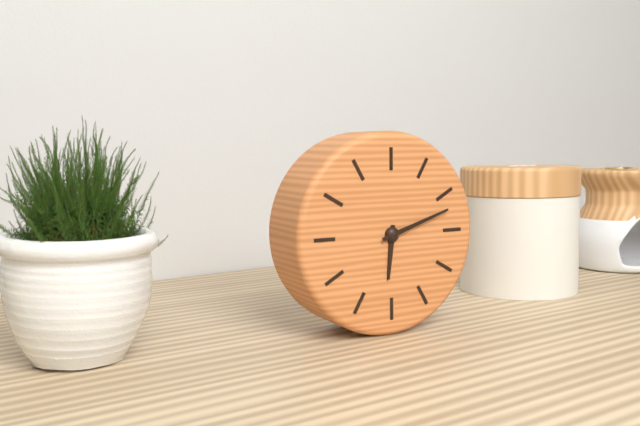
6:12
